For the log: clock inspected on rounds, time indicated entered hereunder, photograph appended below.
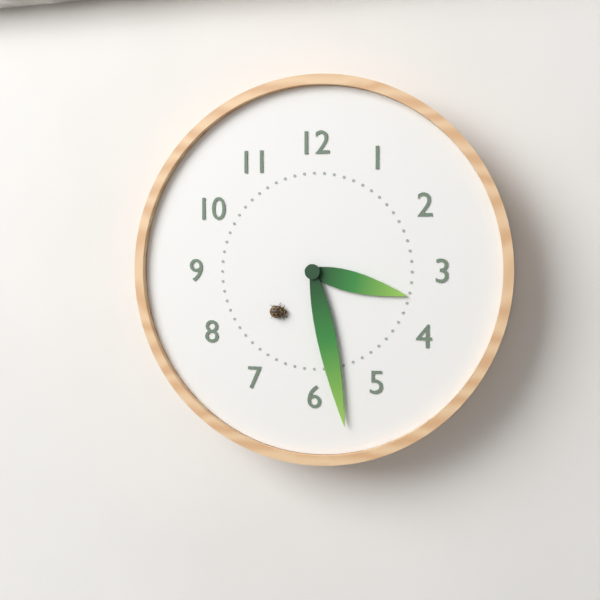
3:28
